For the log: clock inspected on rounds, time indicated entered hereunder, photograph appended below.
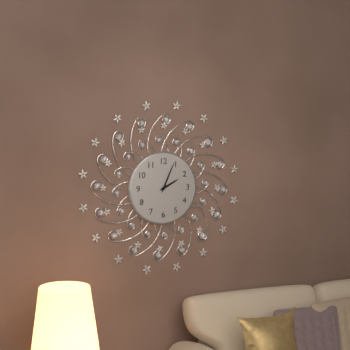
2:04
